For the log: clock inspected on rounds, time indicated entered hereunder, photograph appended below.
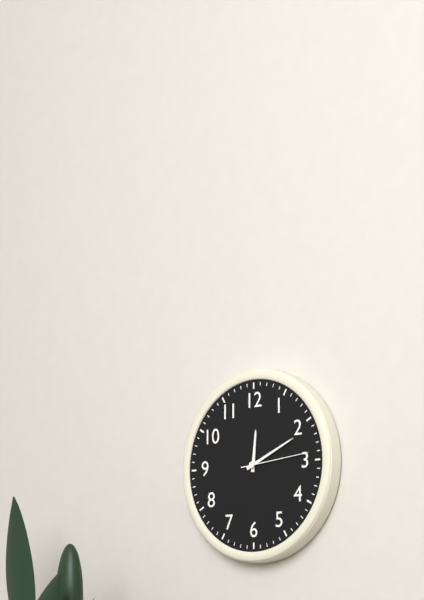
12:11:14
